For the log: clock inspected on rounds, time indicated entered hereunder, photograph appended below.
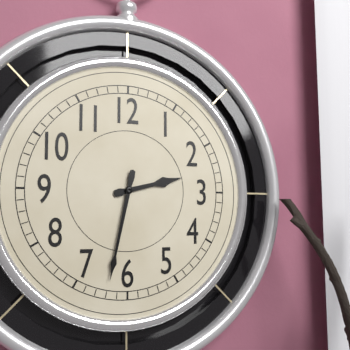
2:32
